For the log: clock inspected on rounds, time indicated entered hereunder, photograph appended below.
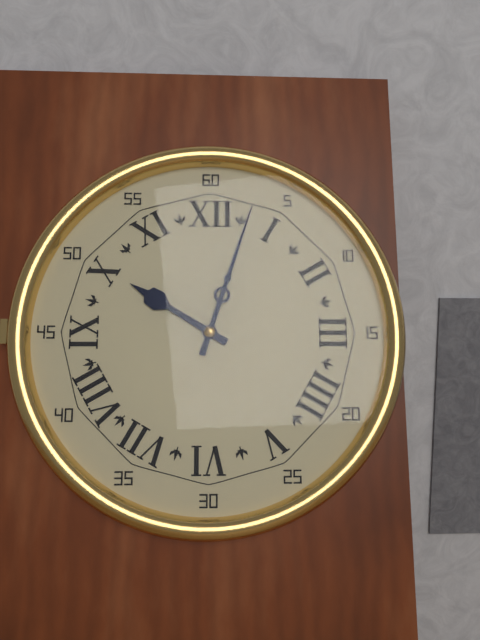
10:03
